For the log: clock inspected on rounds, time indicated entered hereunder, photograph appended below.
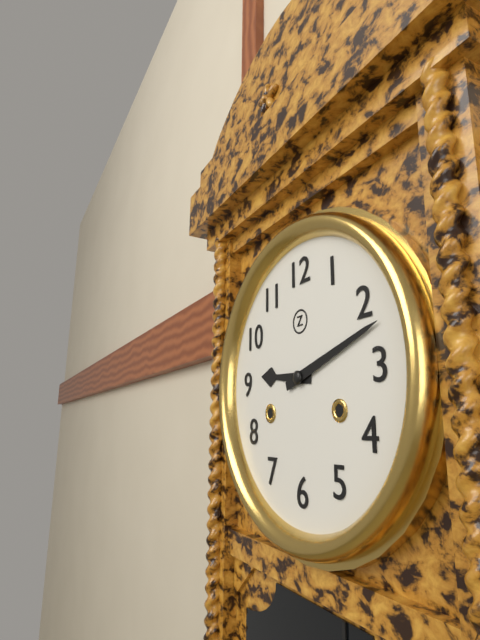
9:12
